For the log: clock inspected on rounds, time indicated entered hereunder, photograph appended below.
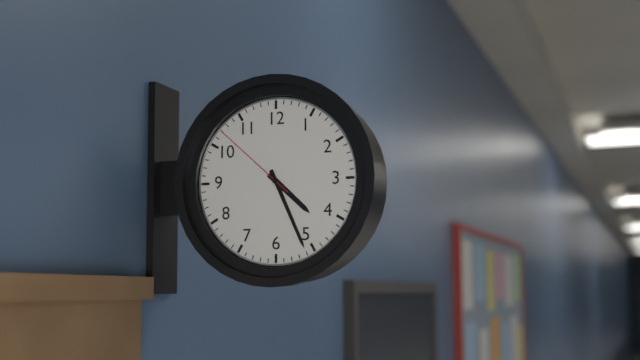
4:26:52
